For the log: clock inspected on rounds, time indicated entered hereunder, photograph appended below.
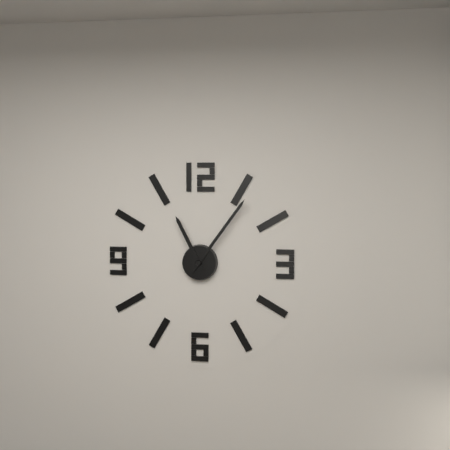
11:06
